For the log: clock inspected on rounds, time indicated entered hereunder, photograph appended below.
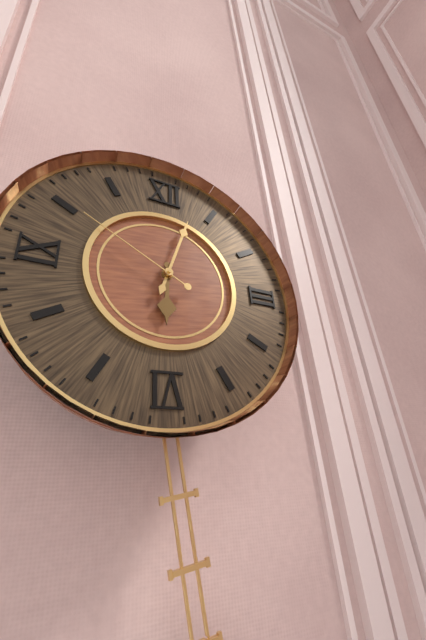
6:03:50
